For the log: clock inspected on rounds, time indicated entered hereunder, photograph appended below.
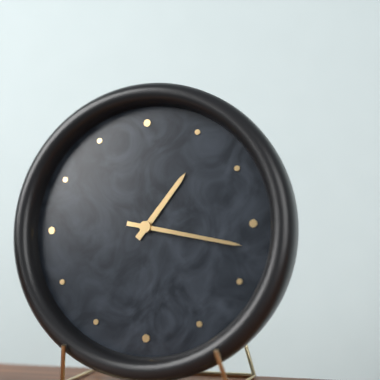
1:17
